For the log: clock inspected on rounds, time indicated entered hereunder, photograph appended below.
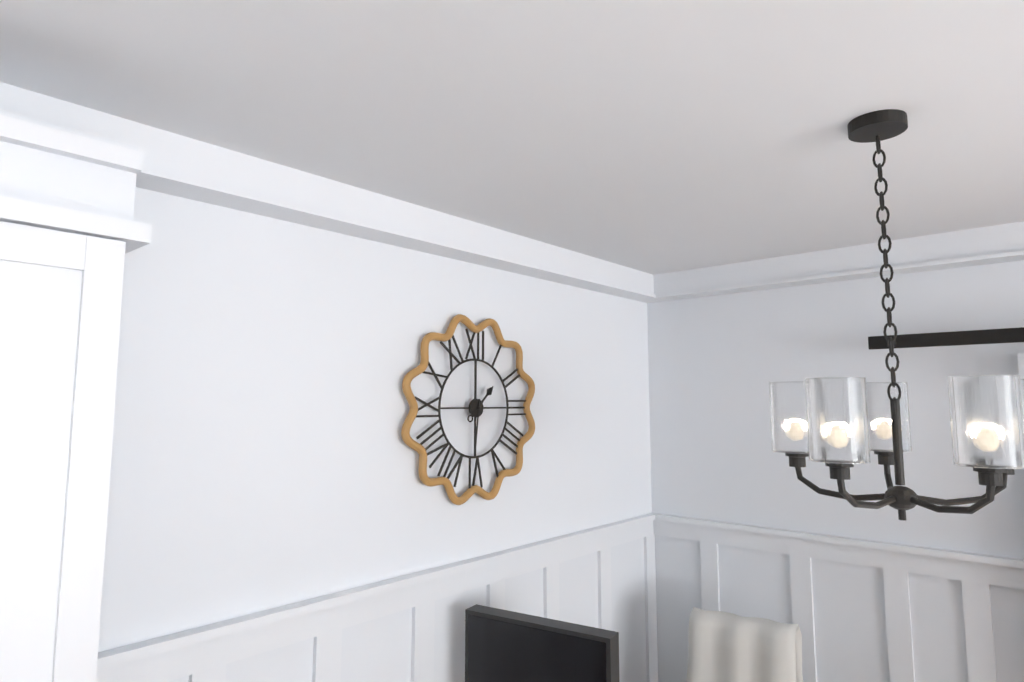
1:31
